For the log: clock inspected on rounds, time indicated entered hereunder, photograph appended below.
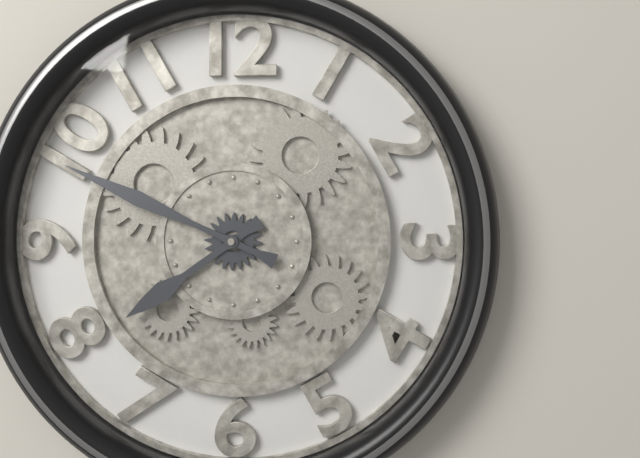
7:49
